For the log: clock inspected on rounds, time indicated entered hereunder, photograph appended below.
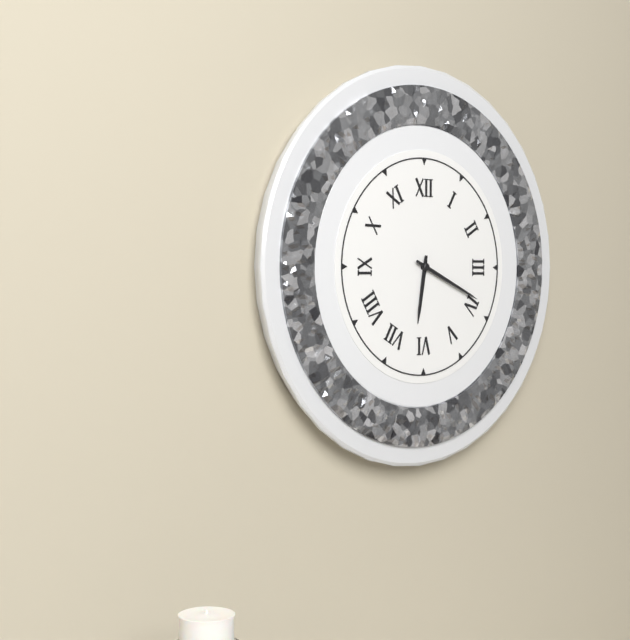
6:19
